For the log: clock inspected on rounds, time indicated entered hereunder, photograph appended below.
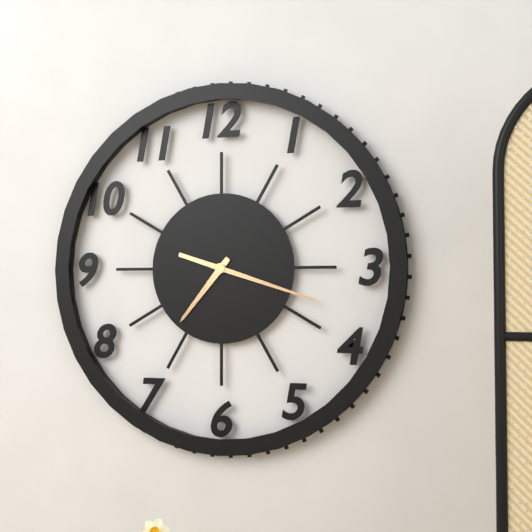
7:18
